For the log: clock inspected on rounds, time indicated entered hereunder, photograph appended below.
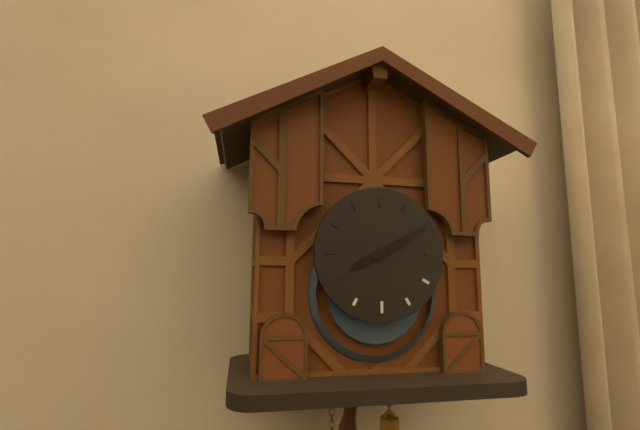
8:10
